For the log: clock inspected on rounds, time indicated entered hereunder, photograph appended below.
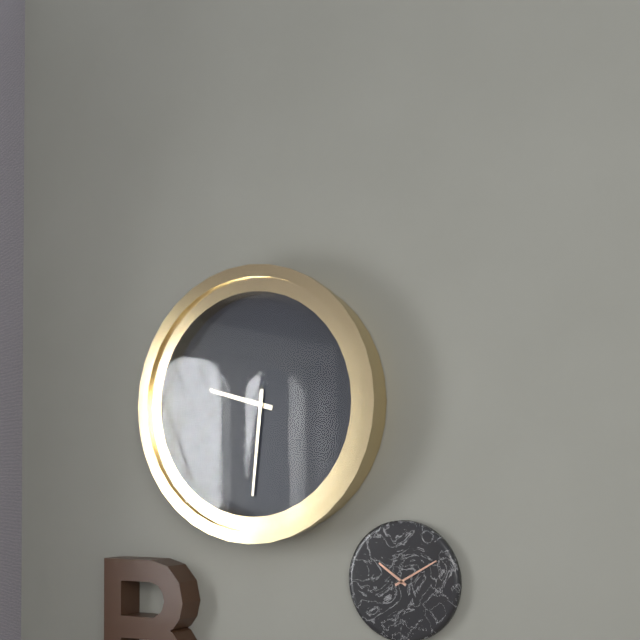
9:31
